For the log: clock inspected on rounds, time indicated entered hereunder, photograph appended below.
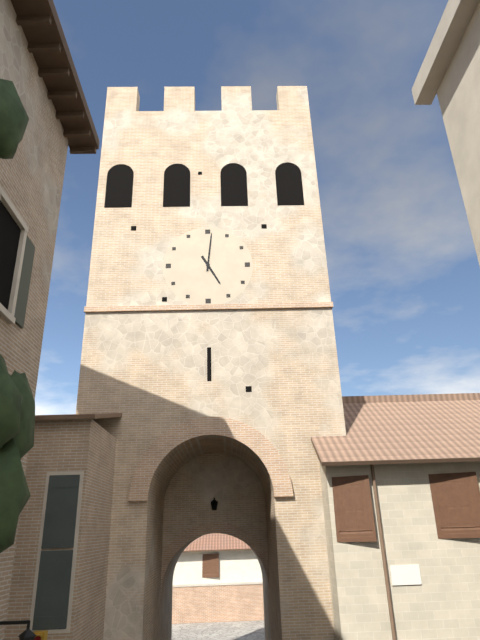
5:01
